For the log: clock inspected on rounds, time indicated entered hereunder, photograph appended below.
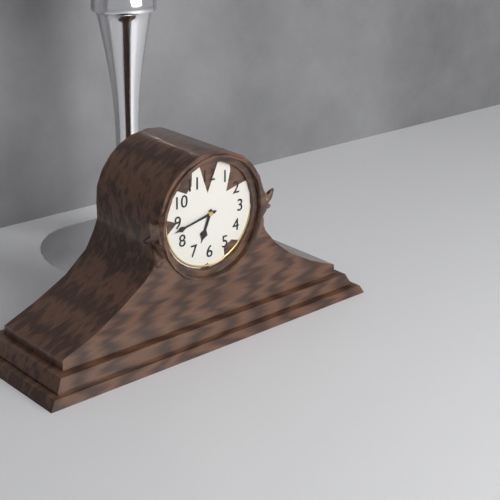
6:43
